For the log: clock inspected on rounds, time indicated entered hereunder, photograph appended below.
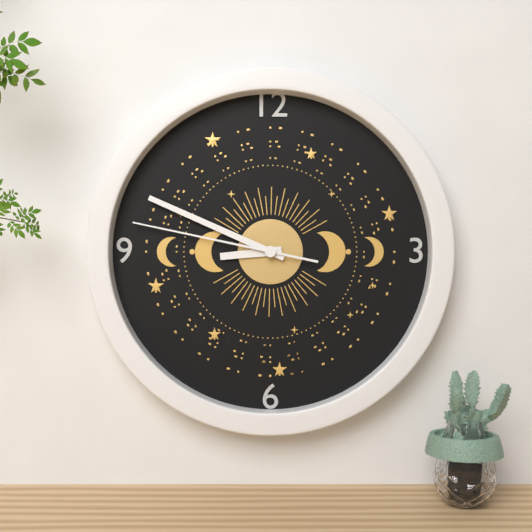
8:49:47
